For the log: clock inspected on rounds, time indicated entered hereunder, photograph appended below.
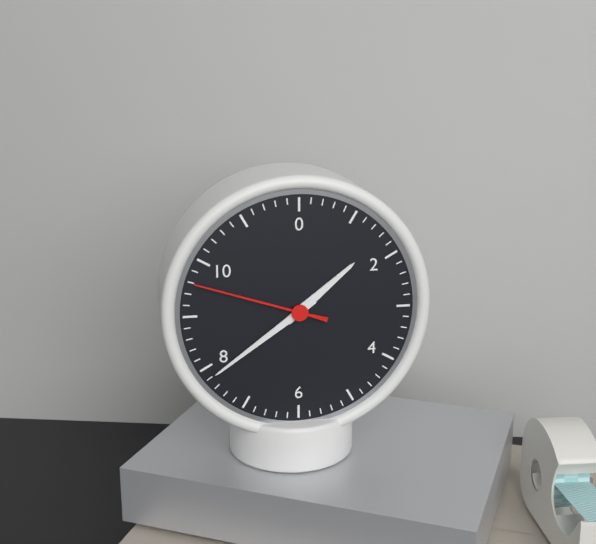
1:39:48
